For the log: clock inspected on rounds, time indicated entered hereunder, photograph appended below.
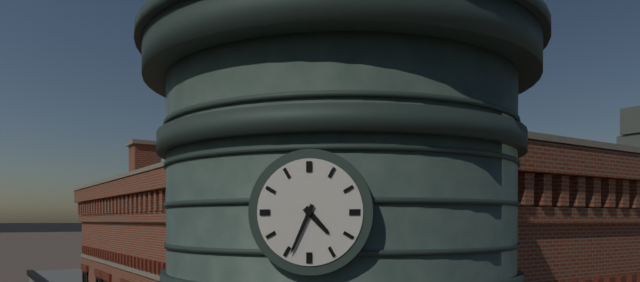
4:34
